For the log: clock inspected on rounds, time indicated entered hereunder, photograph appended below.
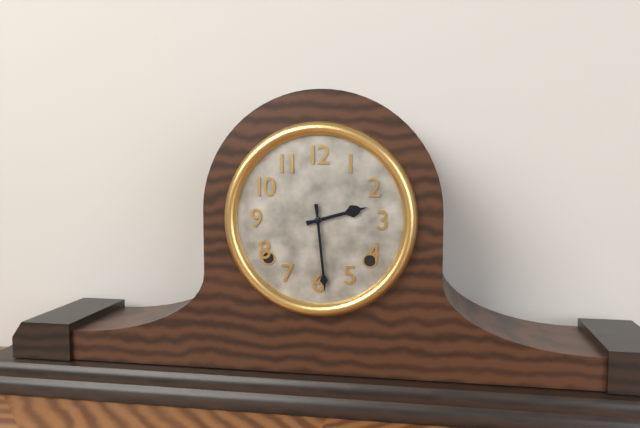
2:29
